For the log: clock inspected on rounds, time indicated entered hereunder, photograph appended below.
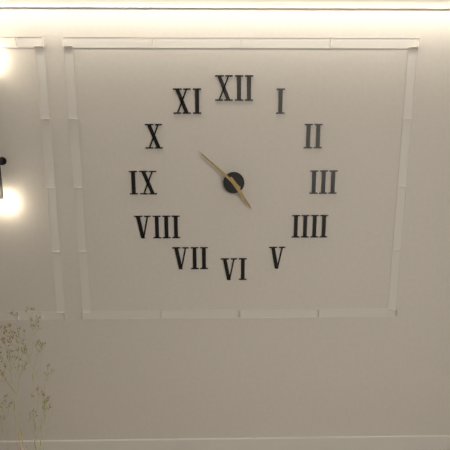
4:52
